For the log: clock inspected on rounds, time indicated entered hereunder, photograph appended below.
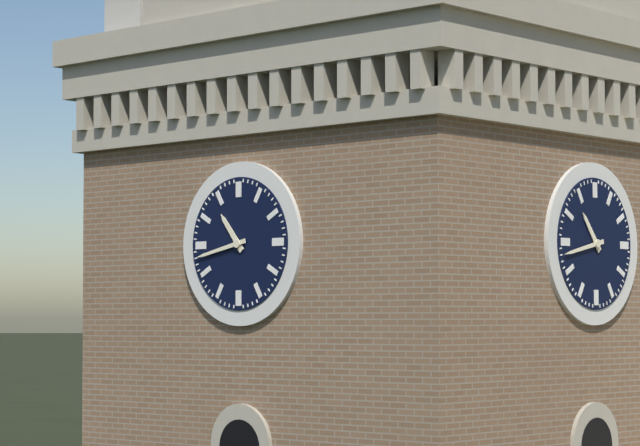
10:43
